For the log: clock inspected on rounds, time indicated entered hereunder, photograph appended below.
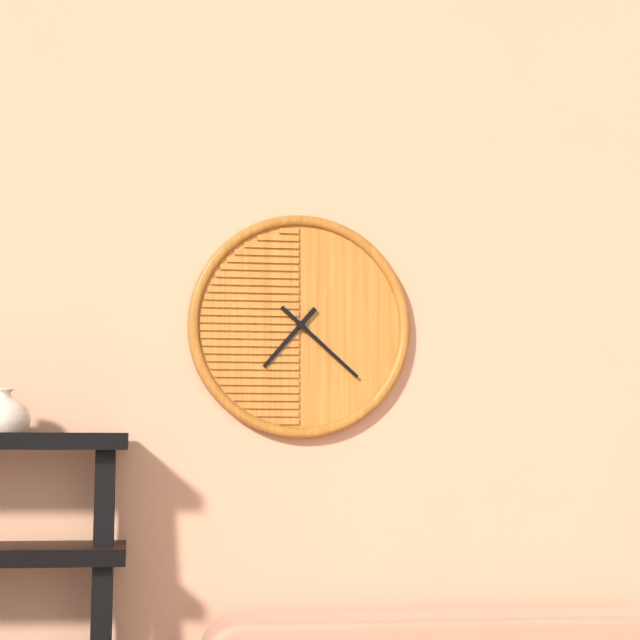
7:22
